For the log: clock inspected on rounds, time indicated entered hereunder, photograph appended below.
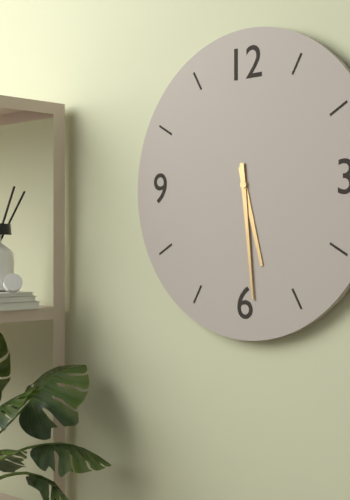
5:29
